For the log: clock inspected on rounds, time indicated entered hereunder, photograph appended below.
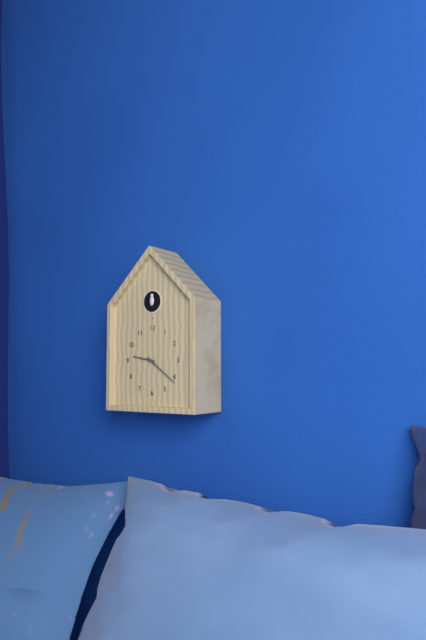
9:21
